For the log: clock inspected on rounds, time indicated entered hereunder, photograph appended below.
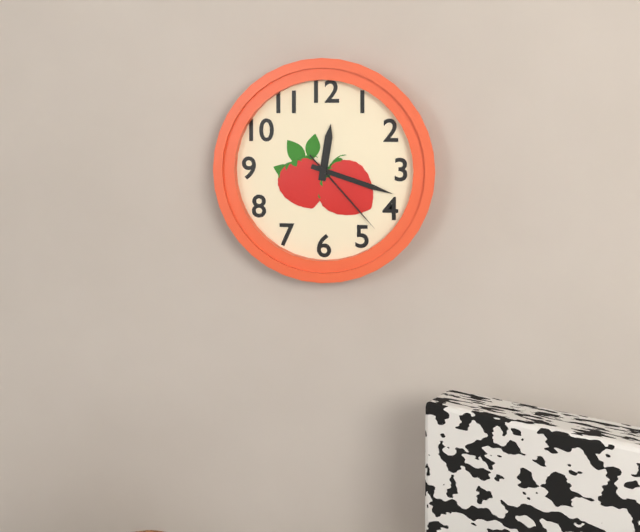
12:18:23
